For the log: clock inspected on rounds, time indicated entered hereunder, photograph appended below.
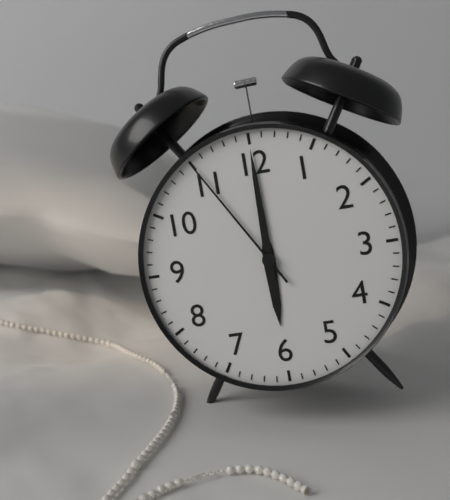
6:00:55
